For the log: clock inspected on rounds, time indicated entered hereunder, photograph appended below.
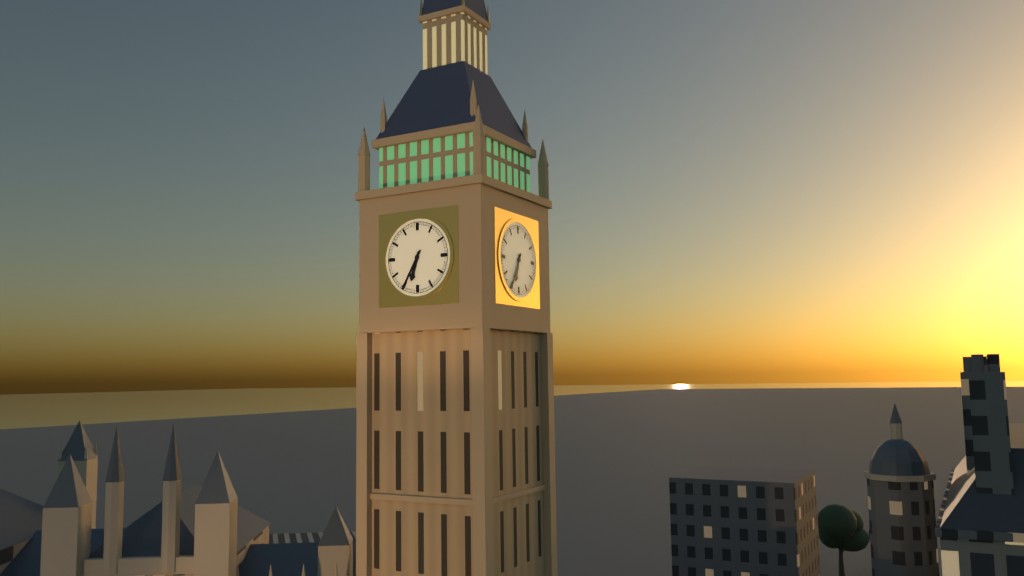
6:35
